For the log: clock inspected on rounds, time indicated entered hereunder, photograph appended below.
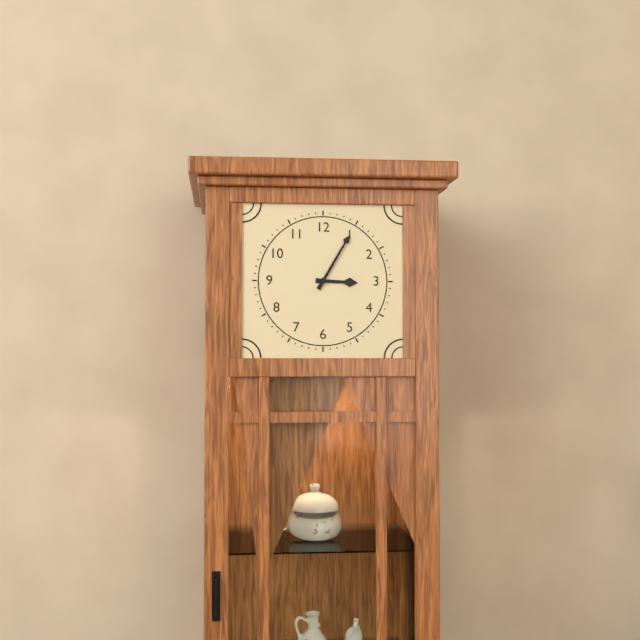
3:05
